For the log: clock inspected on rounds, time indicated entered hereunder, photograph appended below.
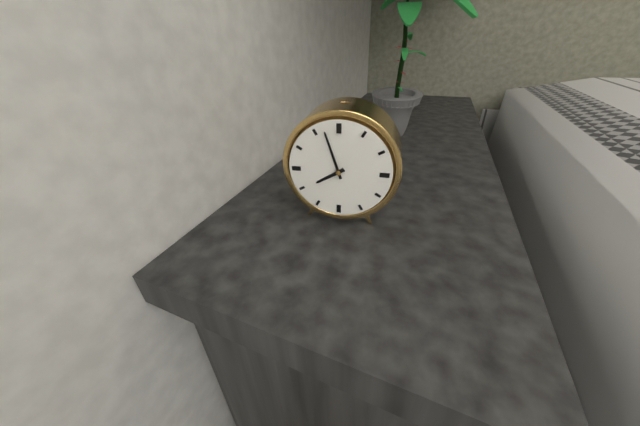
7:57
